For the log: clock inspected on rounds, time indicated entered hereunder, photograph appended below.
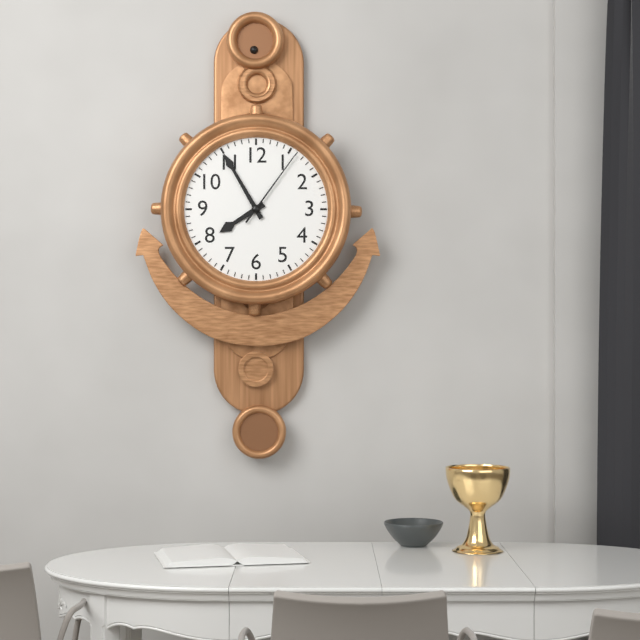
7:55:06
